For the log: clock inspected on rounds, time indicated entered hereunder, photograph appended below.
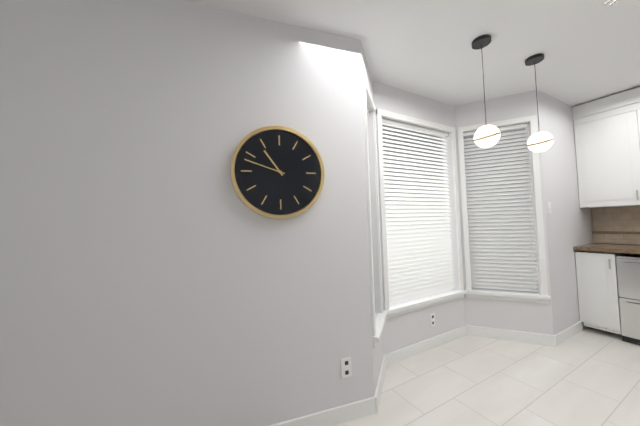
10:48
